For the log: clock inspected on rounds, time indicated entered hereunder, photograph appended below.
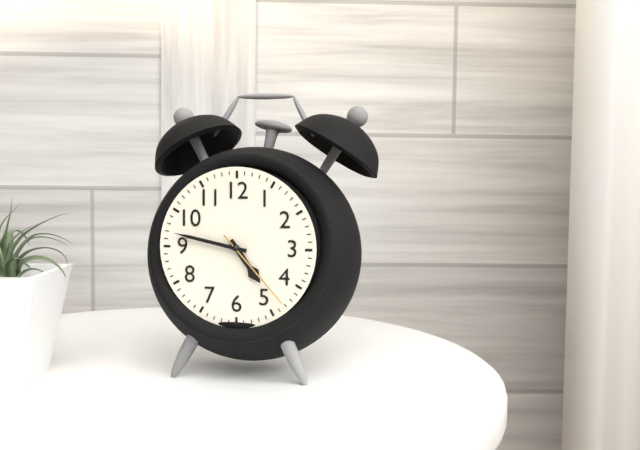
4:47:23
